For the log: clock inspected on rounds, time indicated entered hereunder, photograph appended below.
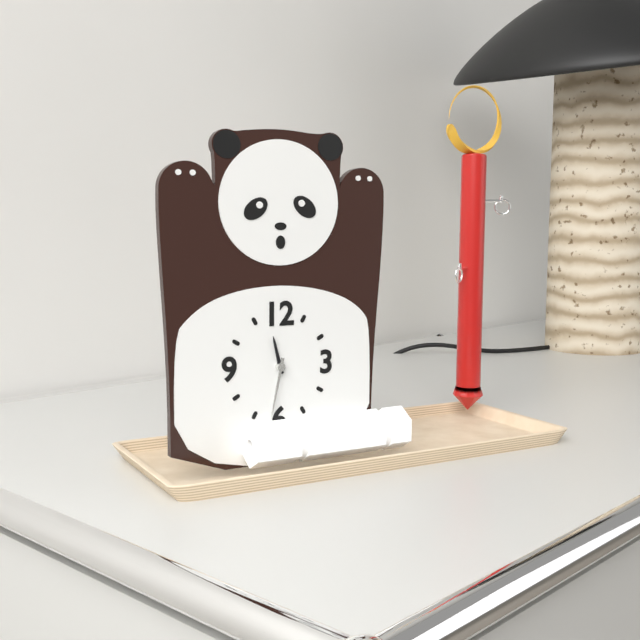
11:32
